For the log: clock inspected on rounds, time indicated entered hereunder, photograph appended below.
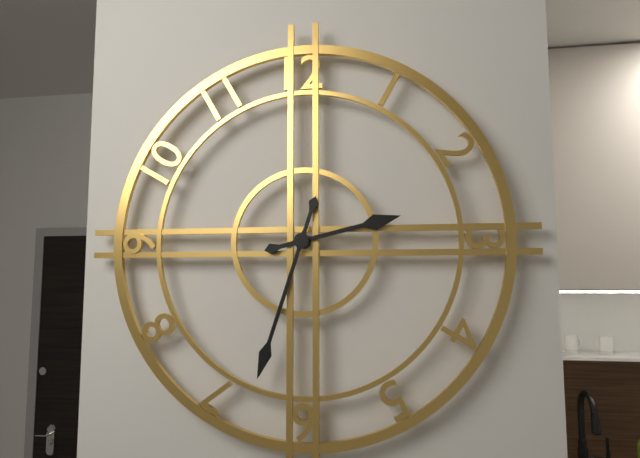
2:33
